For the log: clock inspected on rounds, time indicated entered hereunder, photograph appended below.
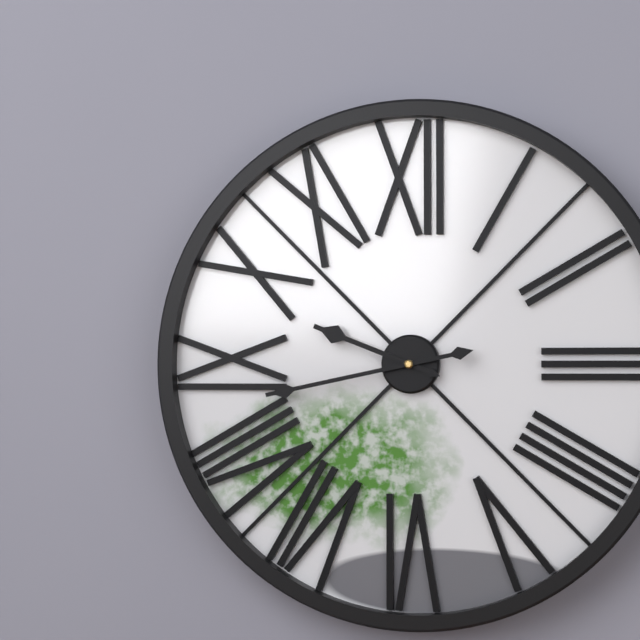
9:43
